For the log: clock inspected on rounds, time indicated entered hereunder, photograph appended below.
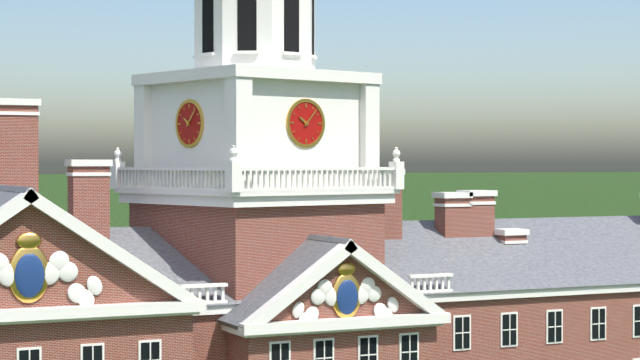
10:07
